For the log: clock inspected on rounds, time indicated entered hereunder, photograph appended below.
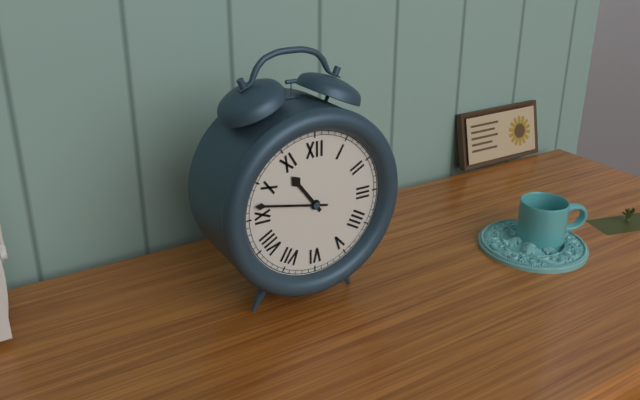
10:47
